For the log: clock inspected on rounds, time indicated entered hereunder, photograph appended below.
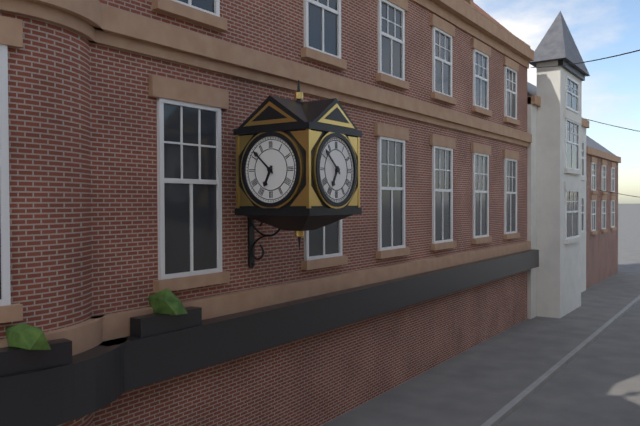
6:52
